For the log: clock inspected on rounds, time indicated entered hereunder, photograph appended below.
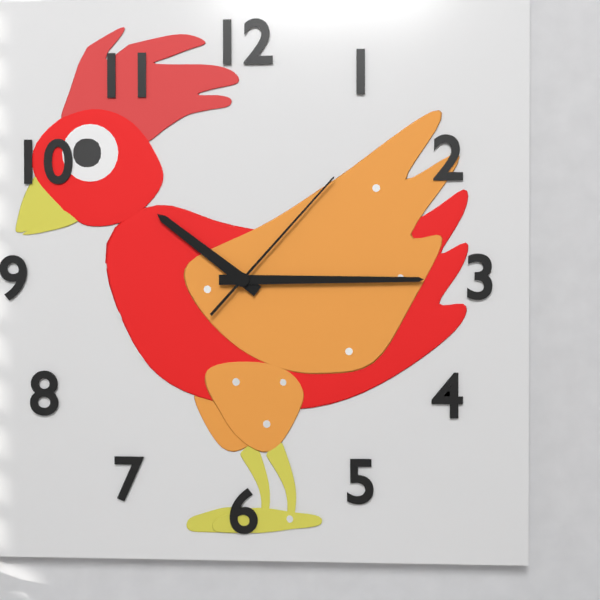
10:15:07
